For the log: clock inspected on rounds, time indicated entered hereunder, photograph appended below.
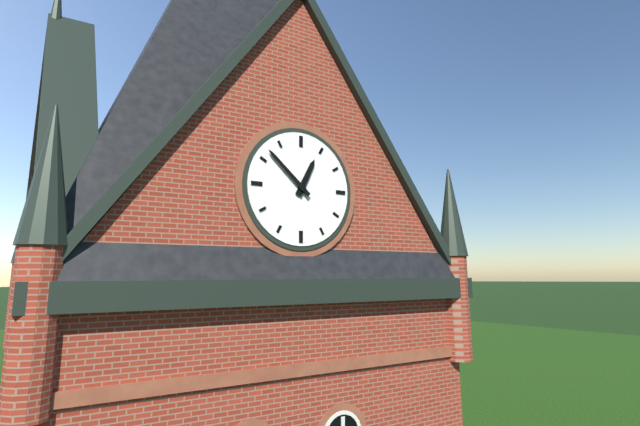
12:52
